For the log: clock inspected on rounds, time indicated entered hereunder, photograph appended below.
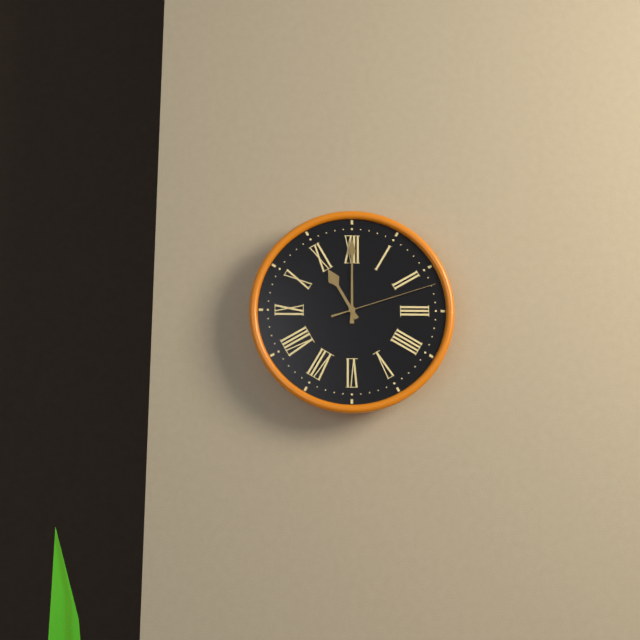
11:00:12
